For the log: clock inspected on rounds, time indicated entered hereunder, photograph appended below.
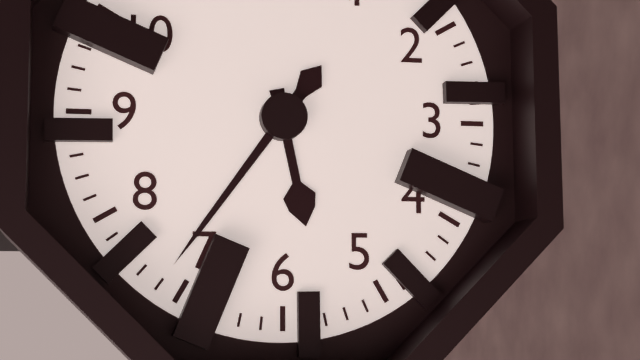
5:36
